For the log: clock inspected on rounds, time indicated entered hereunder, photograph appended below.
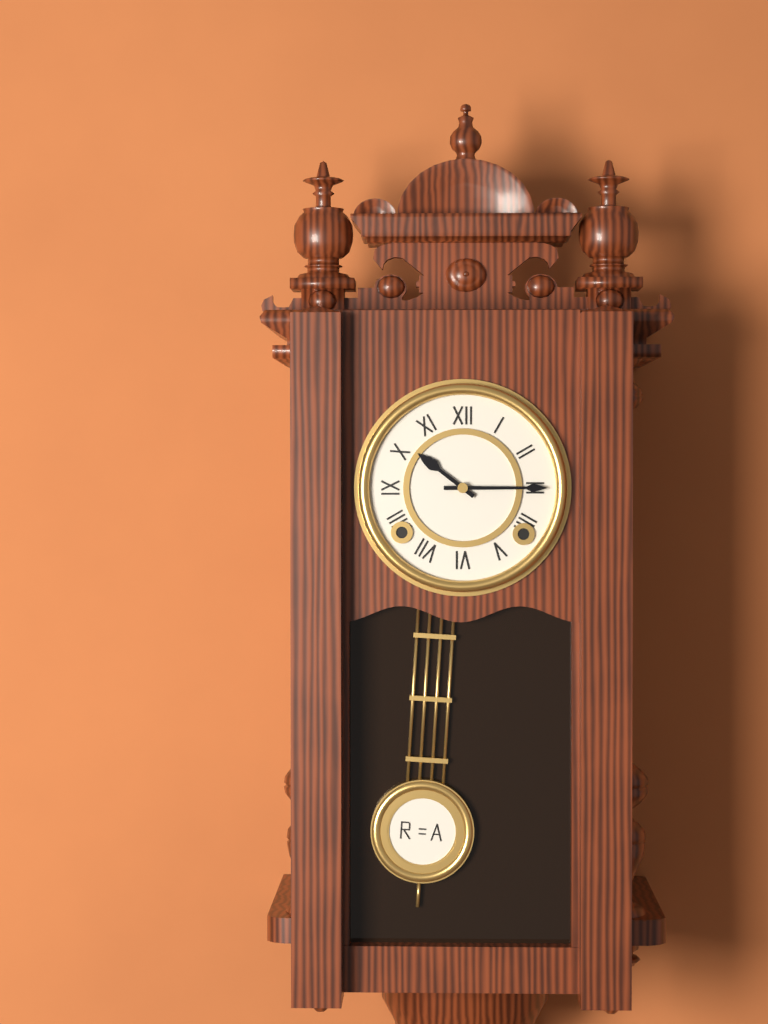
10:15
